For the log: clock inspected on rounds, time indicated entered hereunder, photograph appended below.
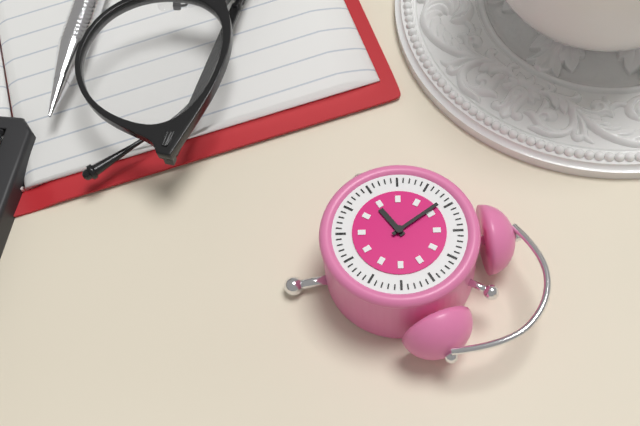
6:49
